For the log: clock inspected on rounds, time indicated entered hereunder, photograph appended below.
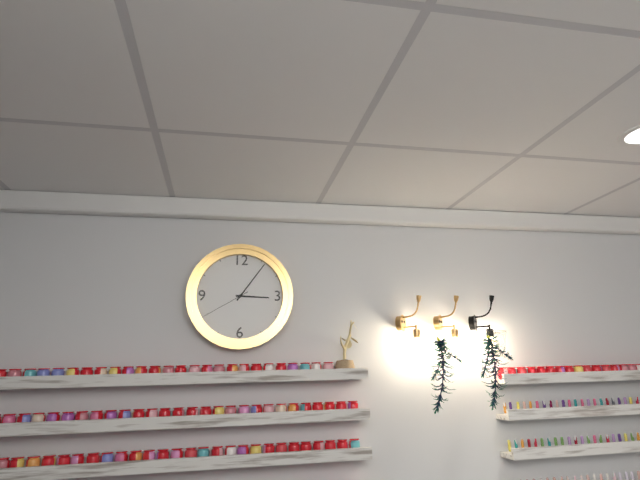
3:06:40
